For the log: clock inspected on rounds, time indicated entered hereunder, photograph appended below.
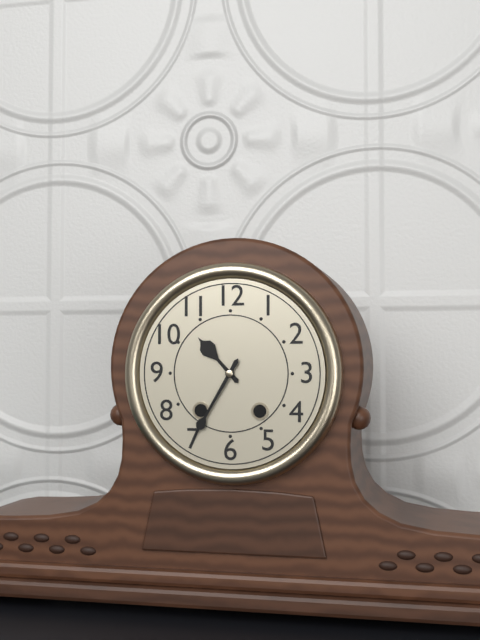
10:35
